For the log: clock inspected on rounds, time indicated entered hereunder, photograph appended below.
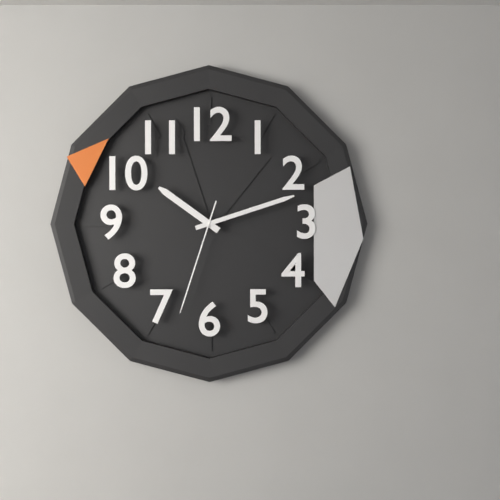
10:12:33
